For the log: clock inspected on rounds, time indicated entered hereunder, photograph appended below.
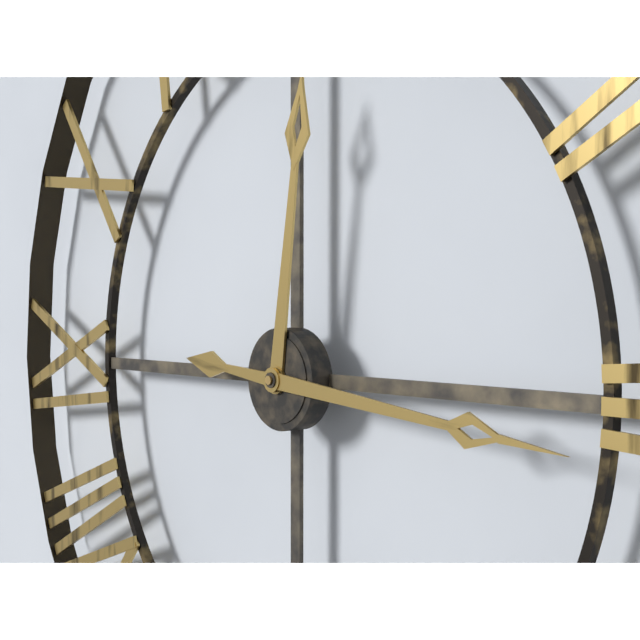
12:16
